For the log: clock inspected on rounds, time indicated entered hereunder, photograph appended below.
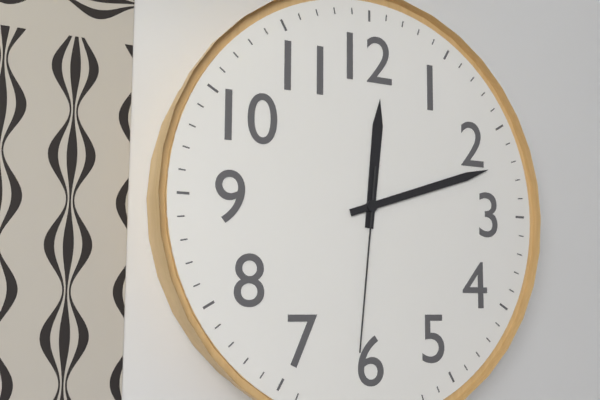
12:12:31
